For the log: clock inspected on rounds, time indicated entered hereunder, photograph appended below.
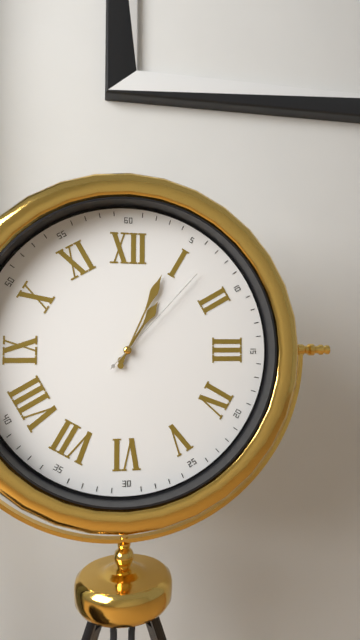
1:04:07
